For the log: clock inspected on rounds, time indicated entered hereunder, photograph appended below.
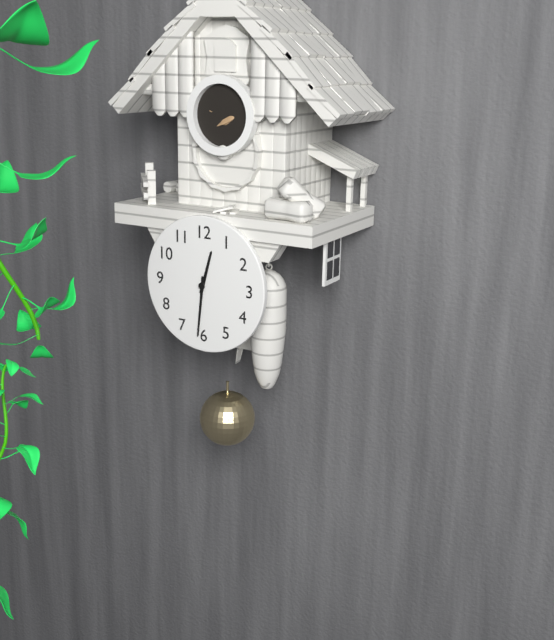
12:31
